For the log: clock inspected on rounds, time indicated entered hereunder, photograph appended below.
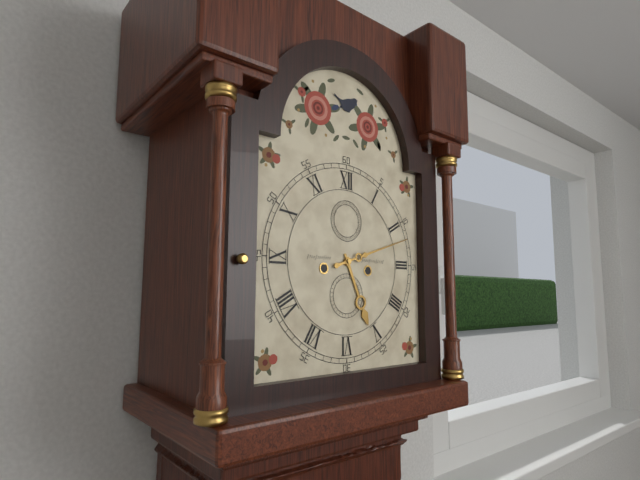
5:12
